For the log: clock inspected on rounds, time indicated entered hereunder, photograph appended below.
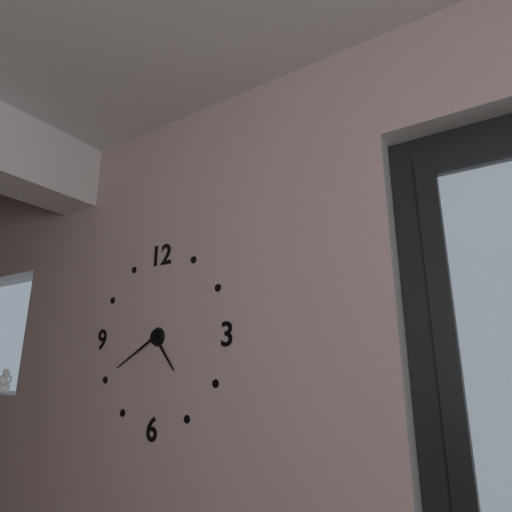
4:40
